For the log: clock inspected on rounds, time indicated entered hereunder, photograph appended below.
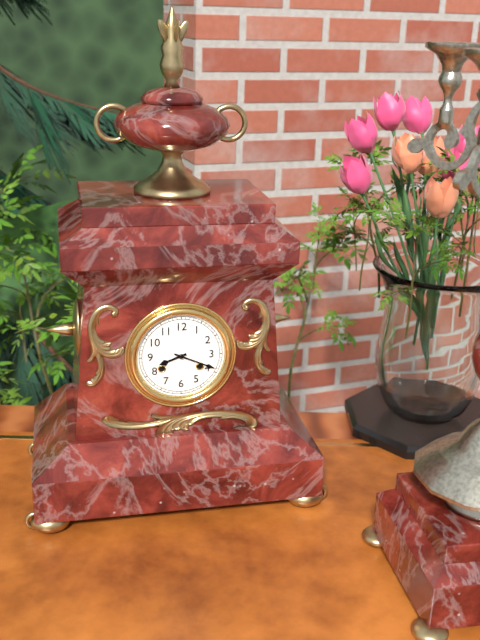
8:19
